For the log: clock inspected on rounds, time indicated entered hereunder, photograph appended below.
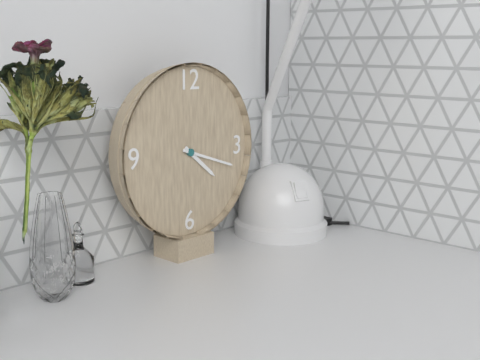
4:18
